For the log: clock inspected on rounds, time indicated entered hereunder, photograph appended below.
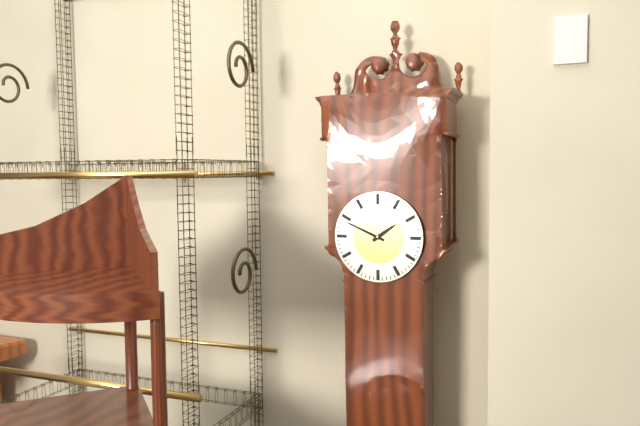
1:49
